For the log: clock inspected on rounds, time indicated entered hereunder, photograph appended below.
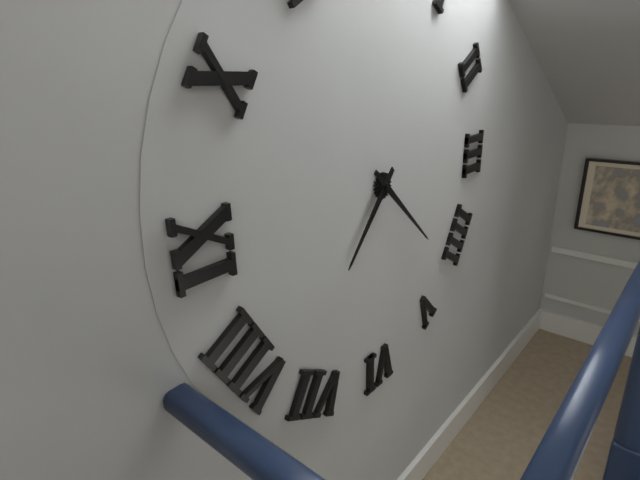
7:22
